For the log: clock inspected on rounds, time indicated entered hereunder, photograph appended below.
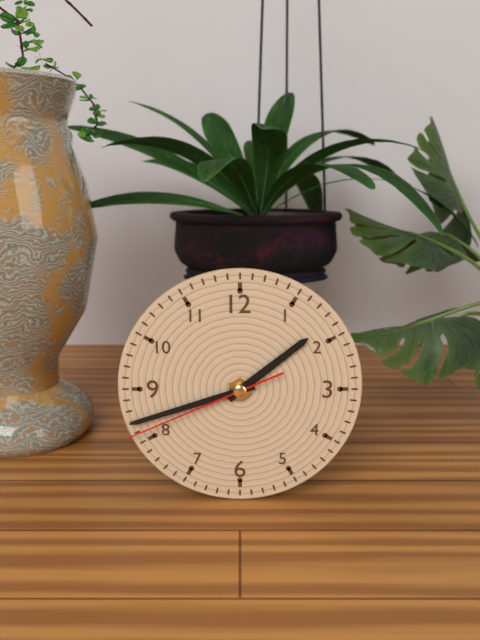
1:42:41
